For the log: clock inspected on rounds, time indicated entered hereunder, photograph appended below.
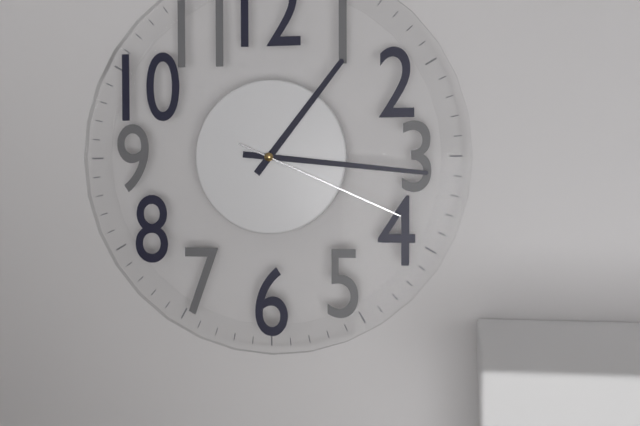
1:16:19
